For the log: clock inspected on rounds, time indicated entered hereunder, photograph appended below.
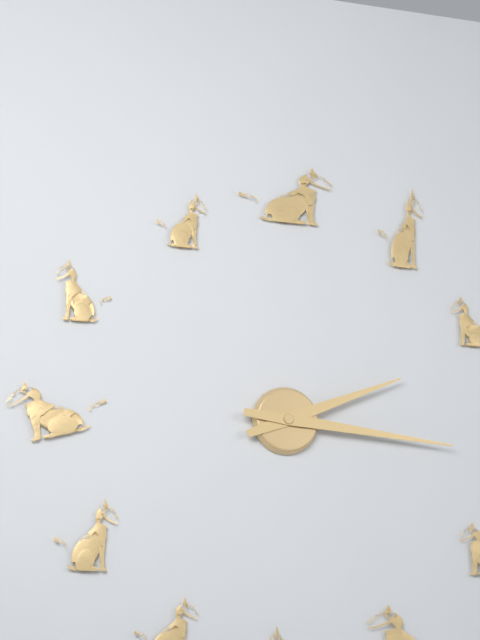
2:16
